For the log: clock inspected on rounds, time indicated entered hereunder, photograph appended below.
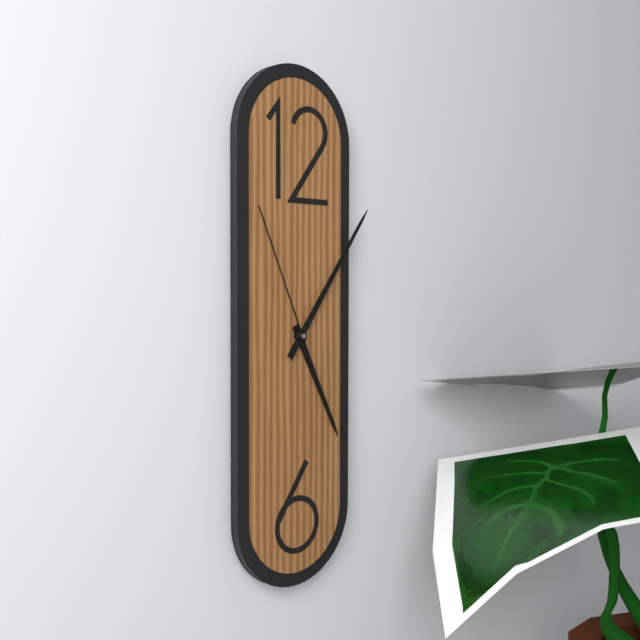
5:06:56
